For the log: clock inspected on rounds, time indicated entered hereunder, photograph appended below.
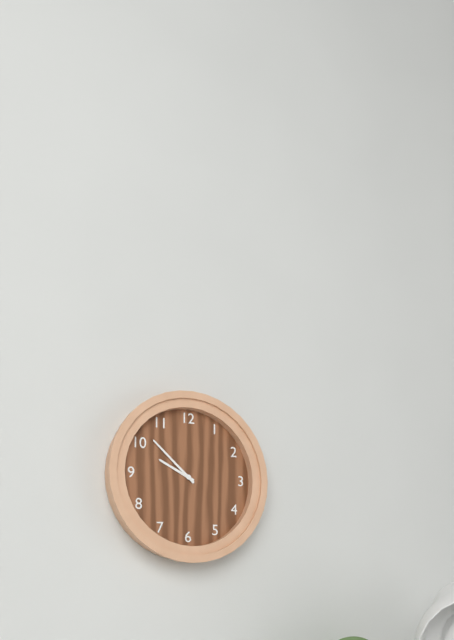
9:52
